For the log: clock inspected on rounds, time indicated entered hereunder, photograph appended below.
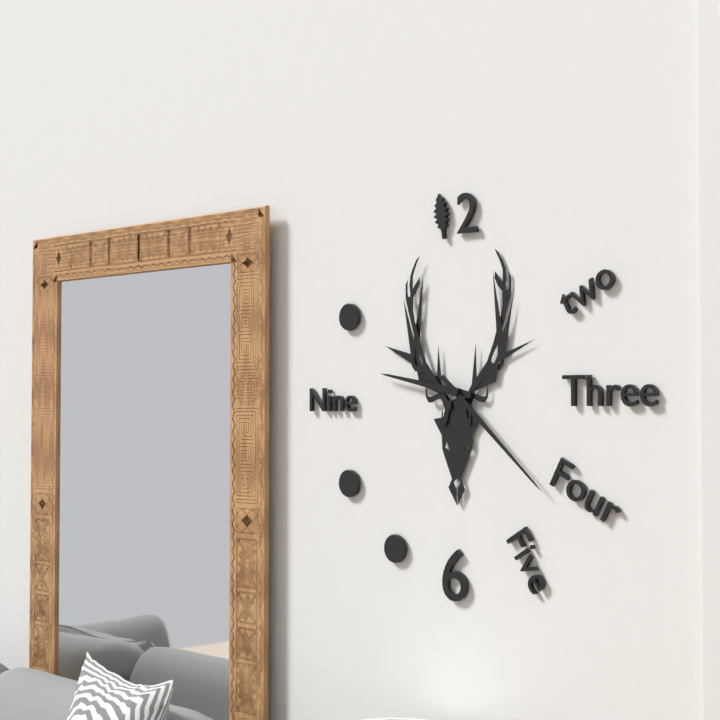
9:22
